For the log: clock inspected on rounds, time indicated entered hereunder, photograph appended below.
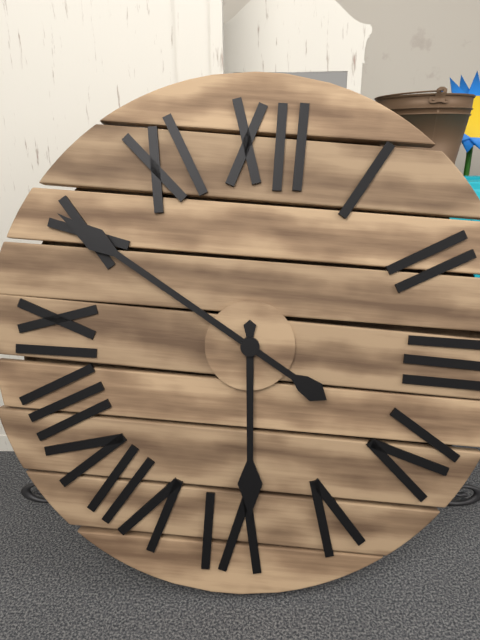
5:50
